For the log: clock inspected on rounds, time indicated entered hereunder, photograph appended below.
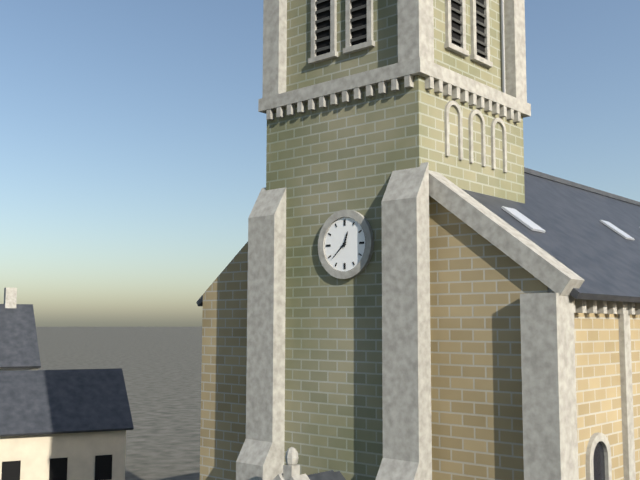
12:38
